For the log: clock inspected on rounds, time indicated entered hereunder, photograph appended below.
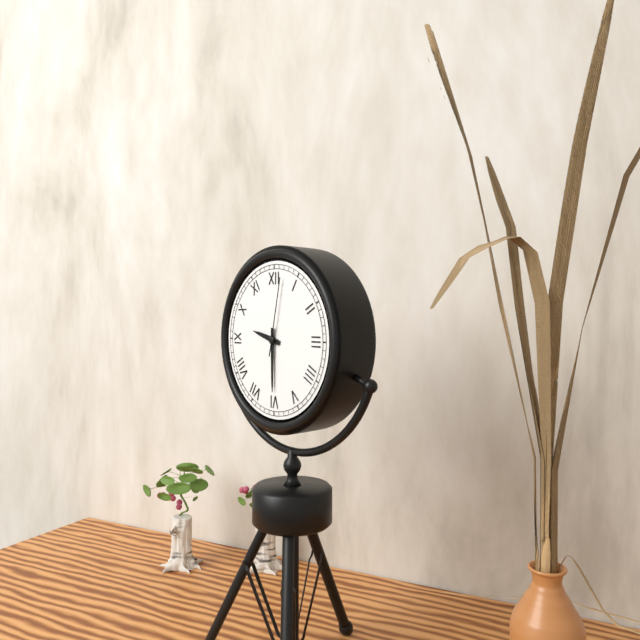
9:30:02
